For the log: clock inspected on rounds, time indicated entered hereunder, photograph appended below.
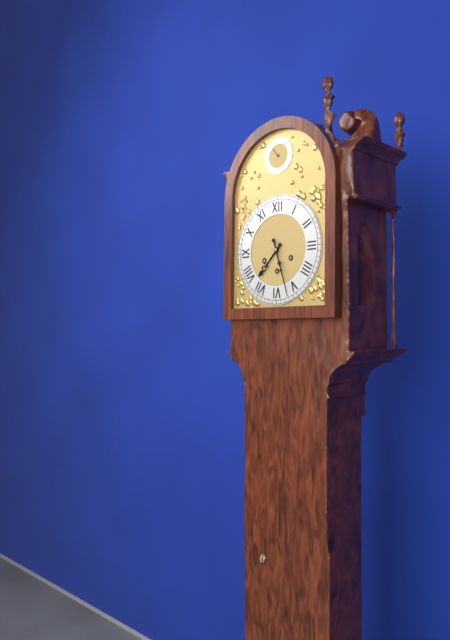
7:27
